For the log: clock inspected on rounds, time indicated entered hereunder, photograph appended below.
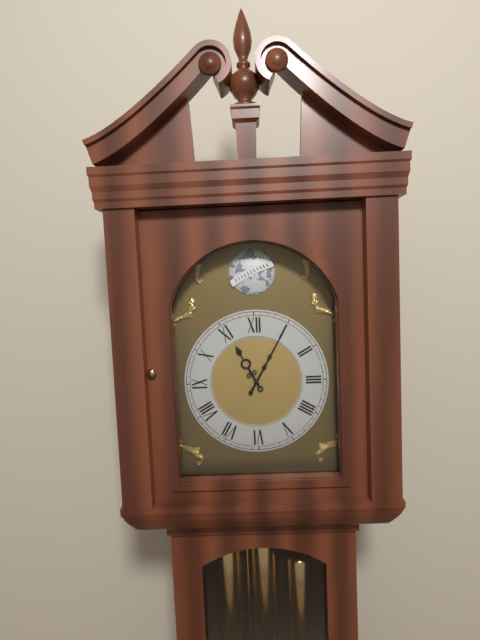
11:05
